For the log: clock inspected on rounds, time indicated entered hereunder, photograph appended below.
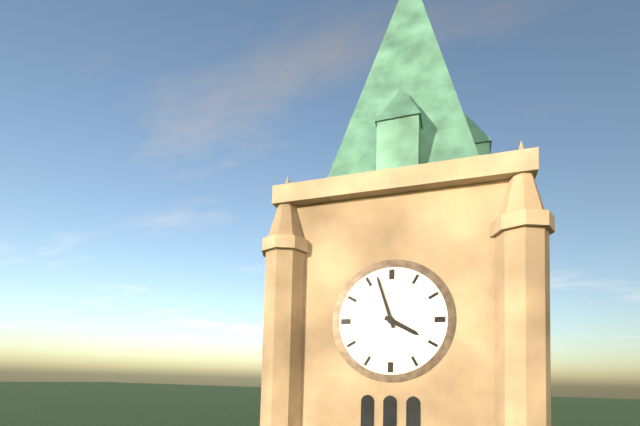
3:57
